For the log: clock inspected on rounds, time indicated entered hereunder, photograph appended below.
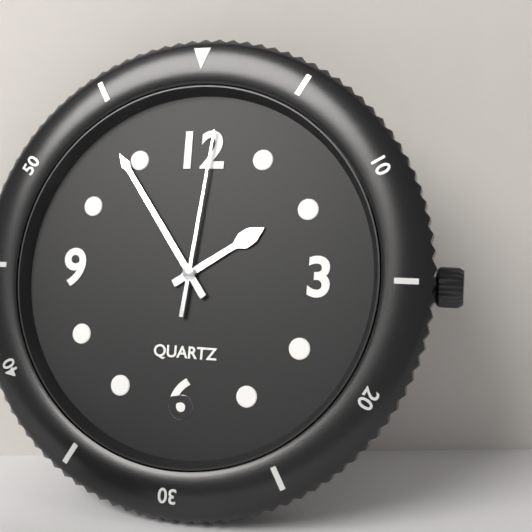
1:54:01
